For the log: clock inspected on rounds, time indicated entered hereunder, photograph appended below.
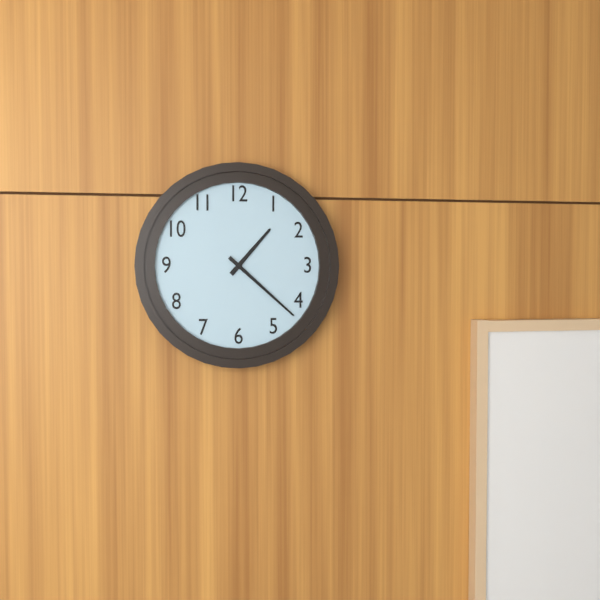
1:22
